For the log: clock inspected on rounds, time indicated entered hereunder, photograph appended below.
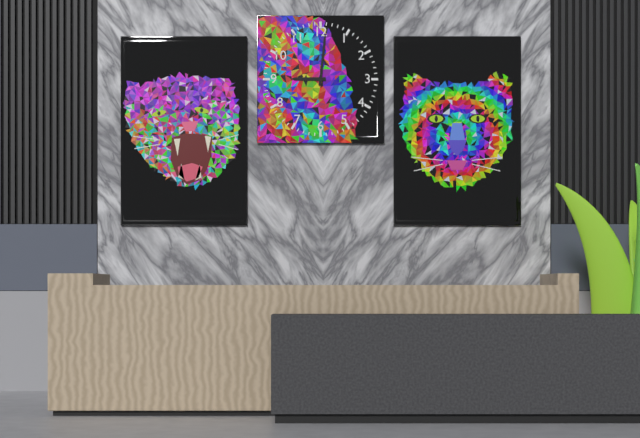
9:01
